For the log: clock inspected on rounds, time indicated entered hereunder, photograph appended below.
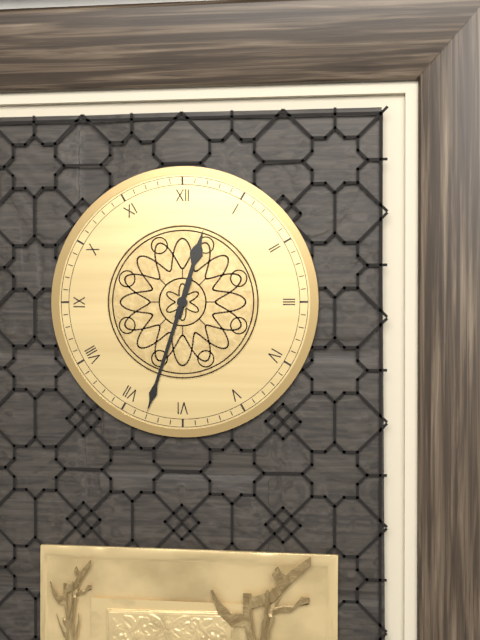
12:33
